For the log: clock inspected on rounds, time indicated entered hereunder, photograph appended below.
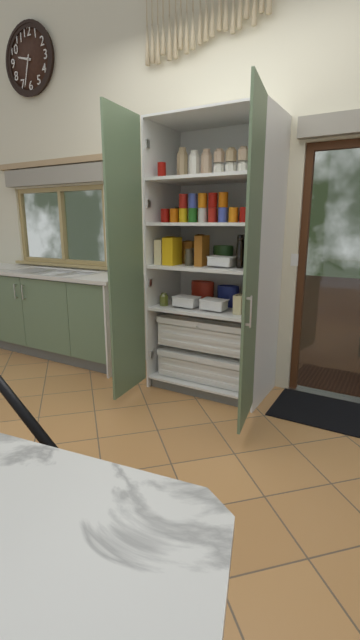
9:33
